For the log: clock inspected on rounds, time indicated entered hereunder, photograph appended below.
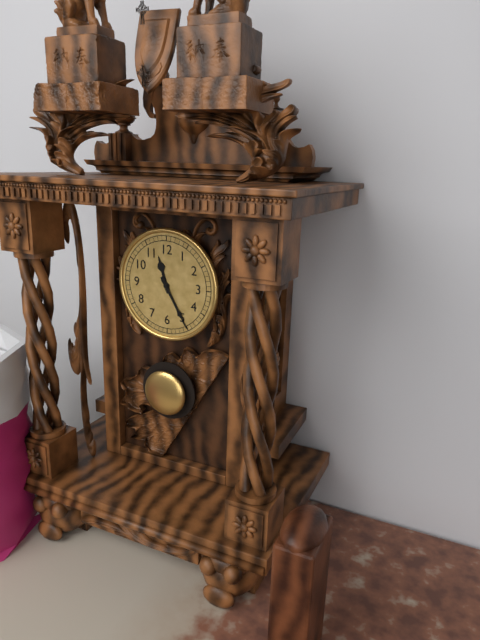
11:25
